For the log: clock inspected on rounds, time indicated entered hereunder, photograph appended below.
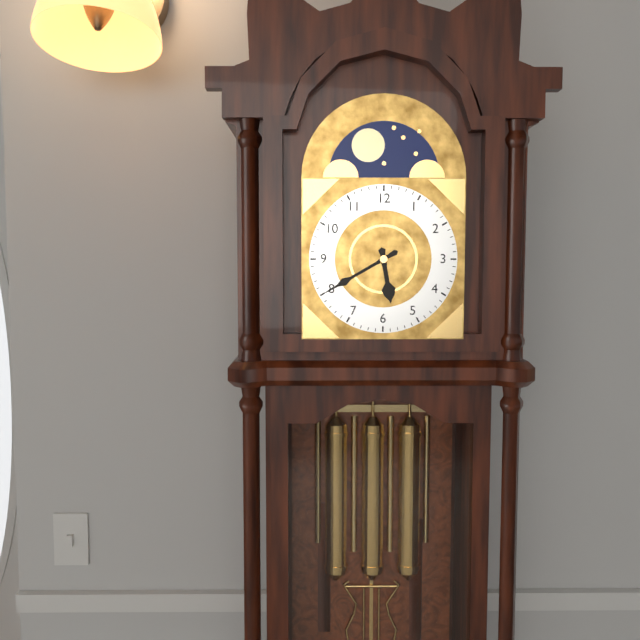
5:40
